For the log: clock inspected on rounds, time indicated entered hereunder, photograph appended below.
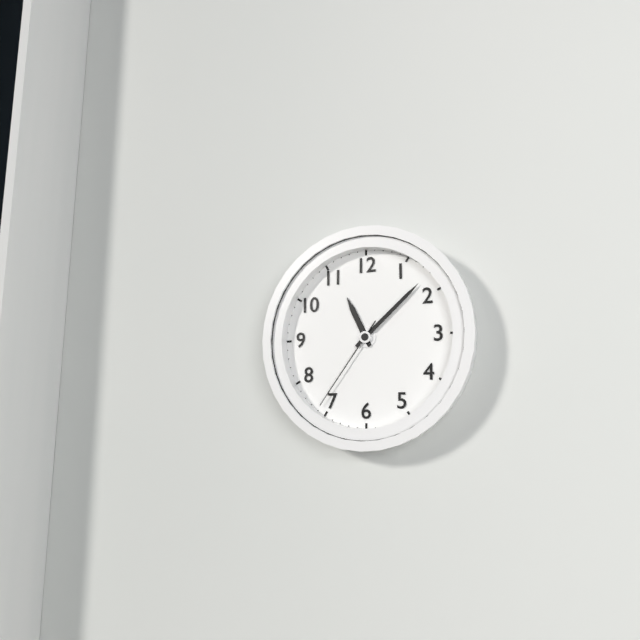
11:08:36
